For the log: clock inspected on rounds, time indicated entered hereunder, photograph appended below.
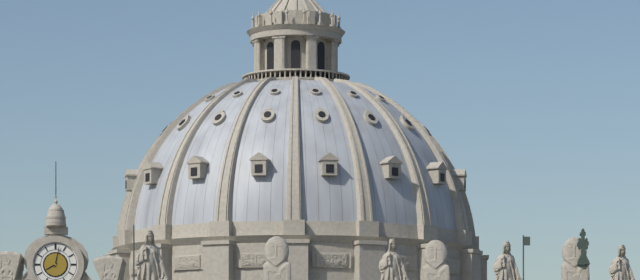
8:02
